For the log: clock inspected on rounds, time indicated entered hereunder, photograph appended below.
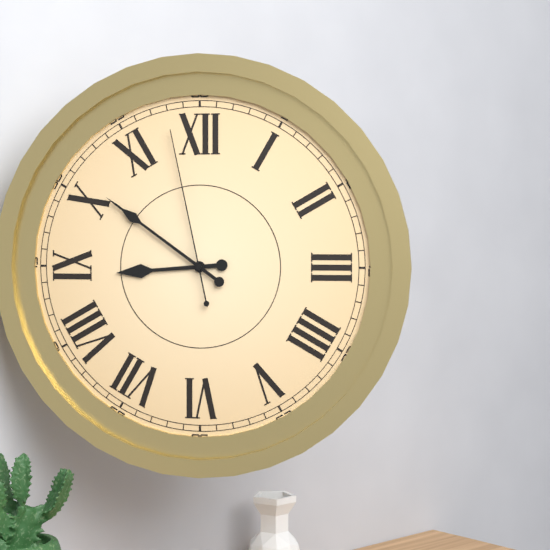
8:51:58
